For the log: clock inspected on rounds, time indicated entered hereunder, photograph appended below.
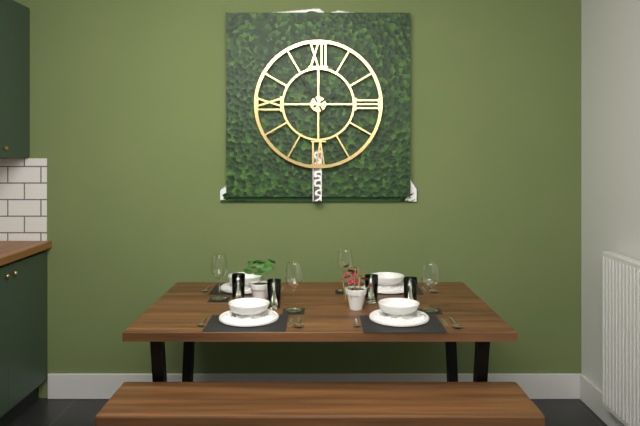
1:55
